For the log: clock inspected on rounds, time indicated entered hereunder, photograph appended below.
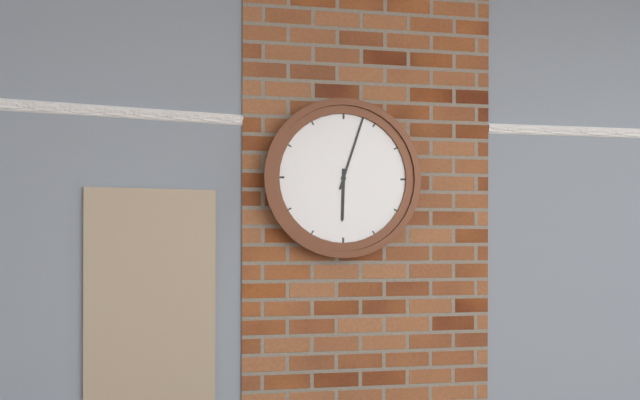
6:03
